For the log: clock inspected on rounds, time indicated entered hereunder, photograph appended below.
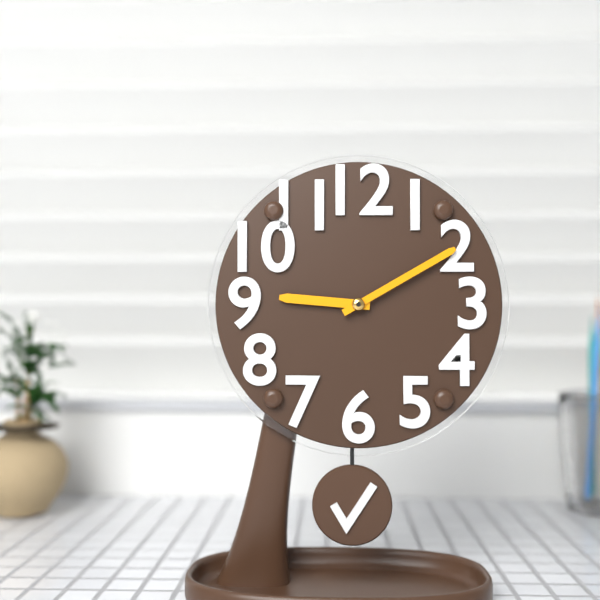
9:10
